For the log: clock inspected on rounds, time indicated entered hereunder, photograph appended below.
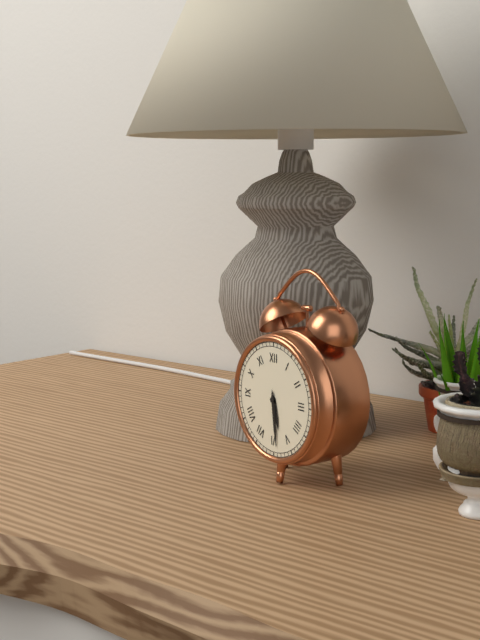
5:29
